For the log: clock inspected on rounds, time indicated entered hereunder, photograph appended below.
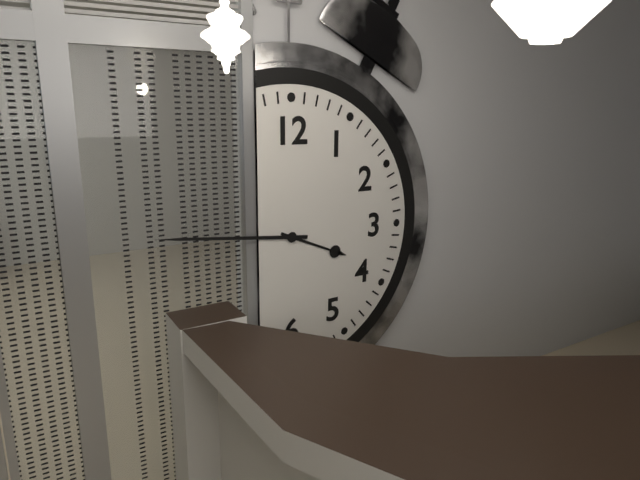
3:46
